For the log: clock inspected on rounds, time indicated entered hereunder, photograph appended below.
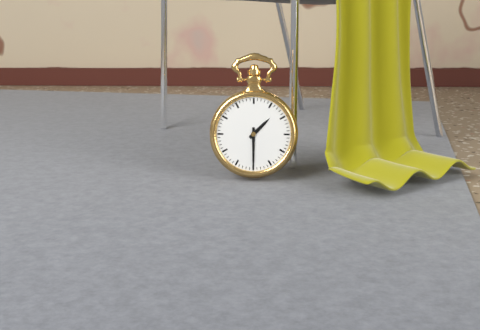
1:30
